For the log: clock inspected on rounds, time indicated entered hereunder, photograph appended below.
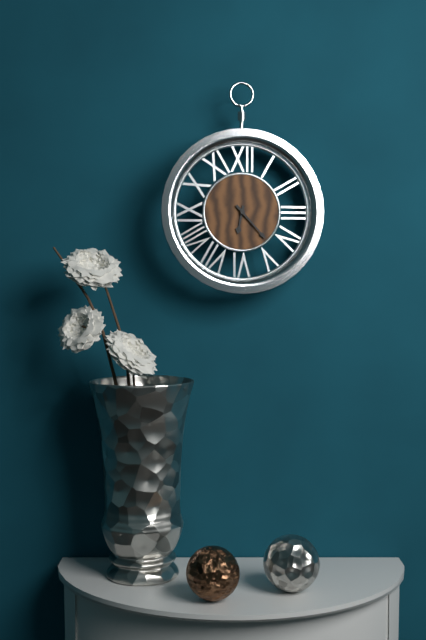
6:23
